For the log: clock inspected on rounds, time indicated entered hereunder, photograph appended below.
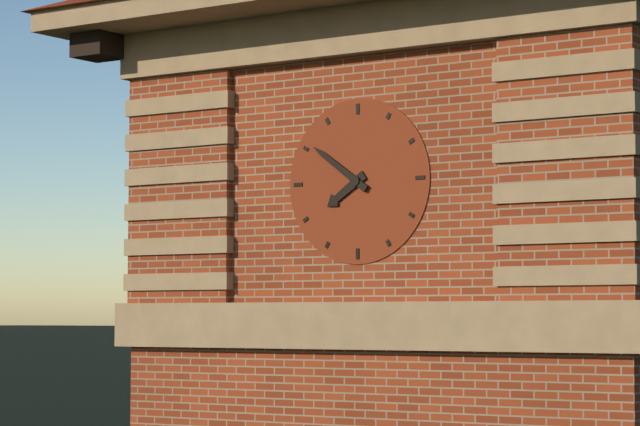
7:51
